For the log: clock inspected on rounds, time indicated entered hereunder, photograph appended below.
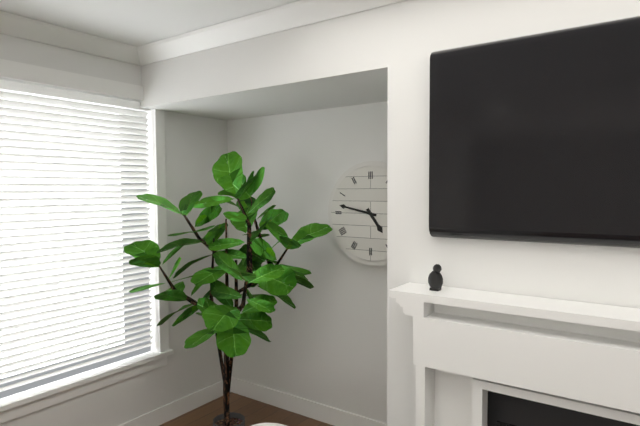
4:47
